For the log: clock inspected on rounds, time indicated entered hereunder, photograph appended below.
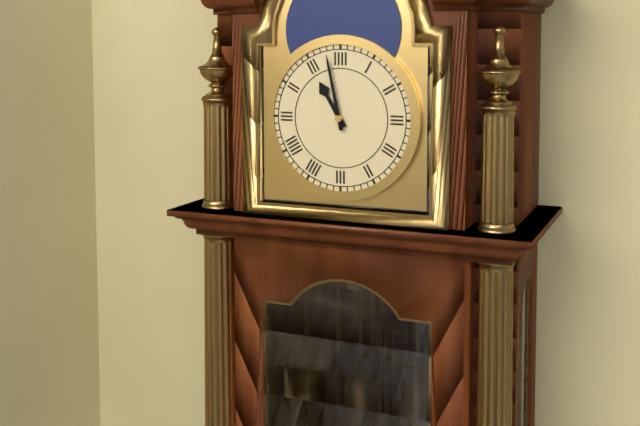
10:58
